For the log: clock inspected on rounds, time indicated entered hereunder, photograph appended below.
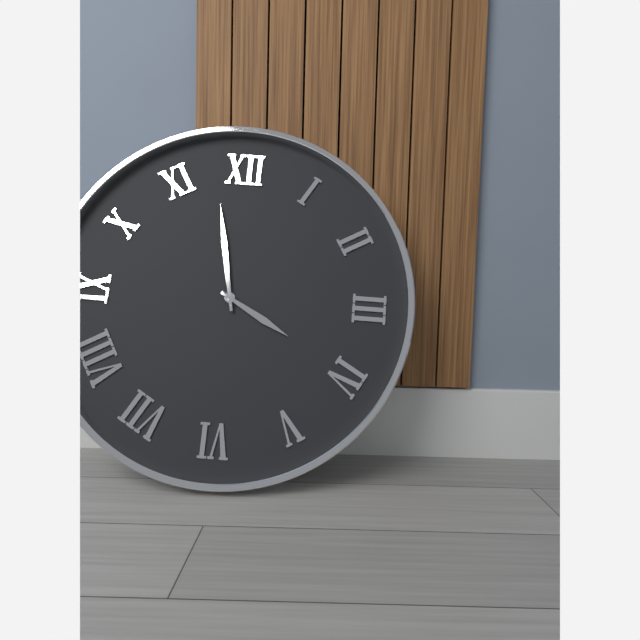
3:58
